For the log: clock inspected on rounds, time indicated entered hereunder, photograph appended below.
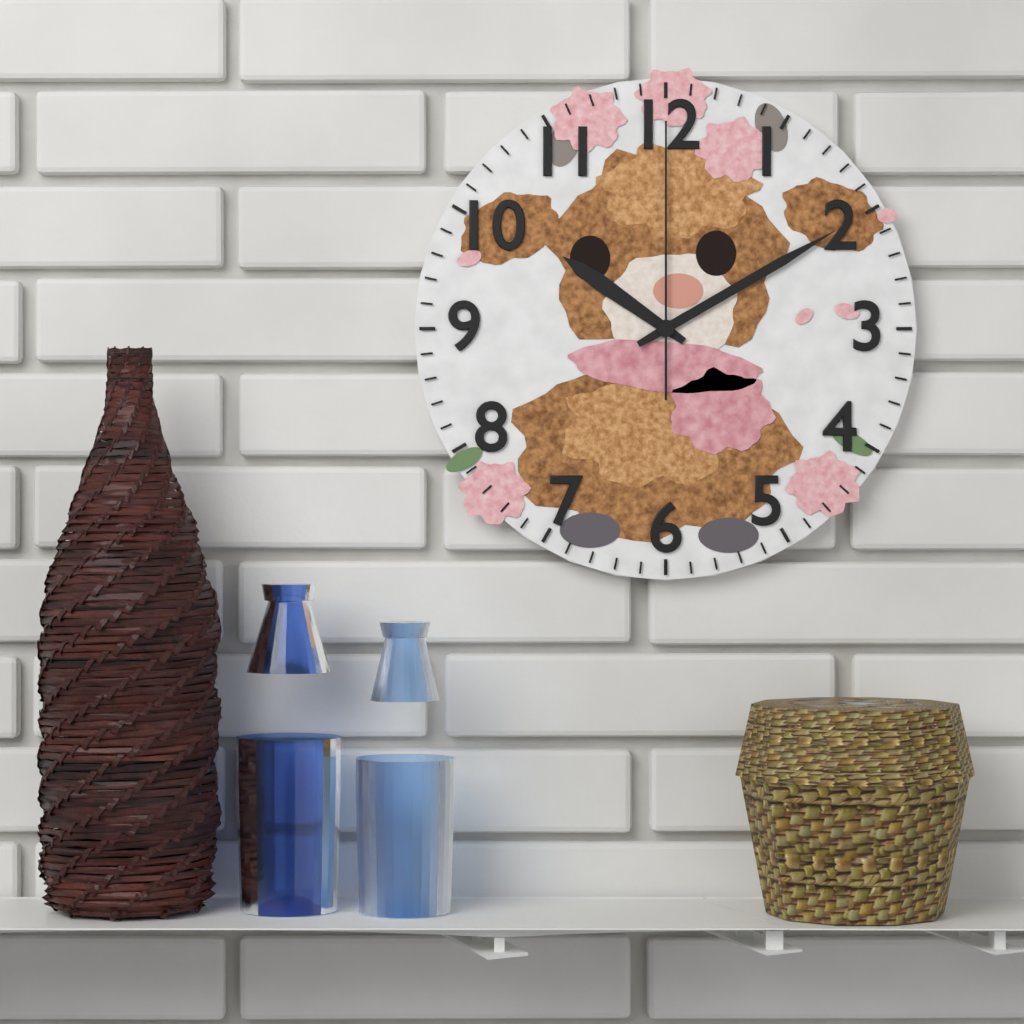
10:10:00
